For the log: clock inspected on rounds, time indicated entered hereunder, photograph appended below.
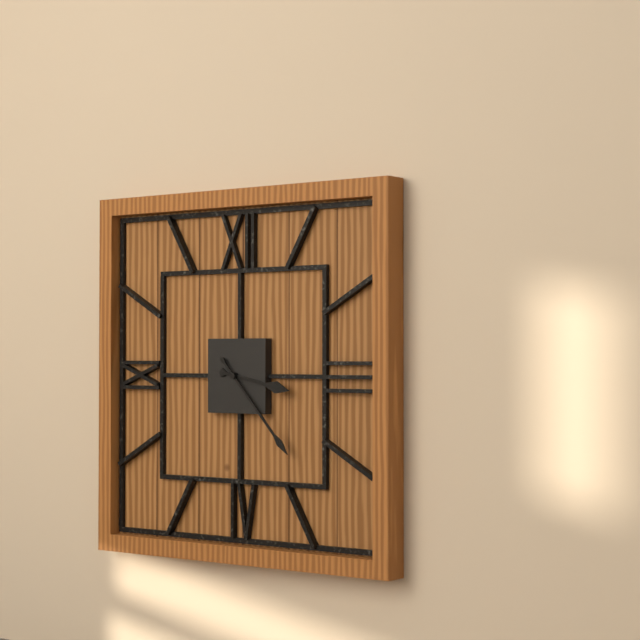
3:23
